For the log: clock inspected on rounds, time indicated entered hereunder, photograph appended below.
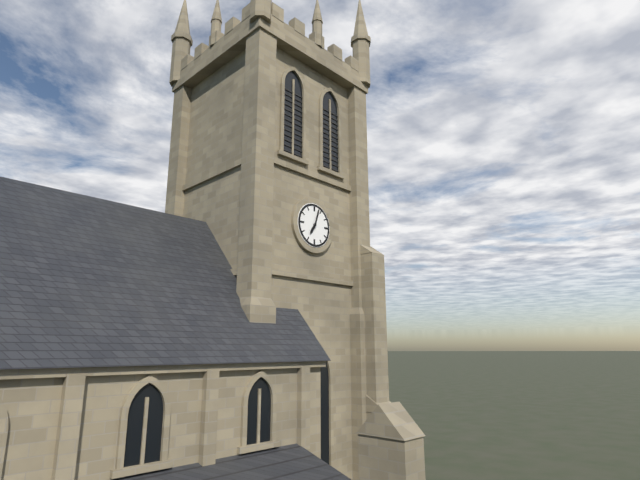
7:03
